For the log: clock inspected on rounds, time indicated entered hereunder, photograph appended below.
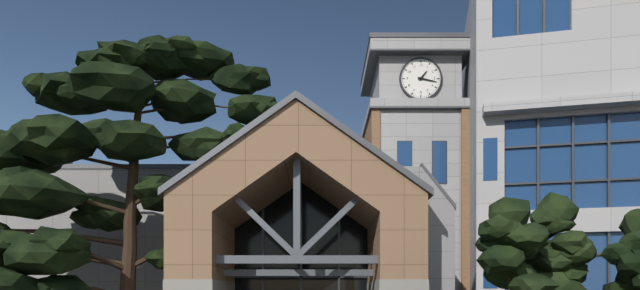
1:17
